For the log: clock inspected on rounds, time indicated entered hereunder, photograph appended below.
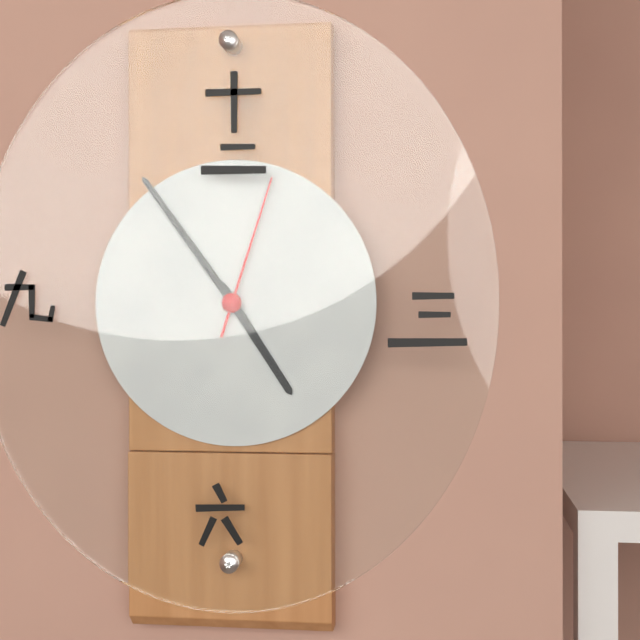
4:54:03
